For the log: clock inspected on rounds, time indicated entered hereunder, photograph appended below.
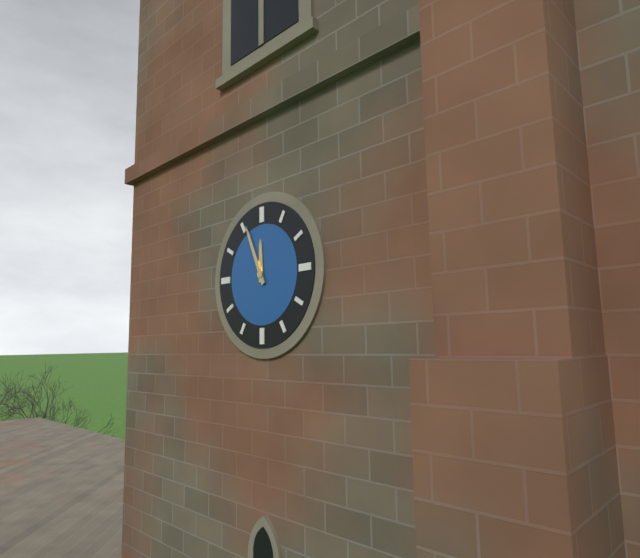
11:56
